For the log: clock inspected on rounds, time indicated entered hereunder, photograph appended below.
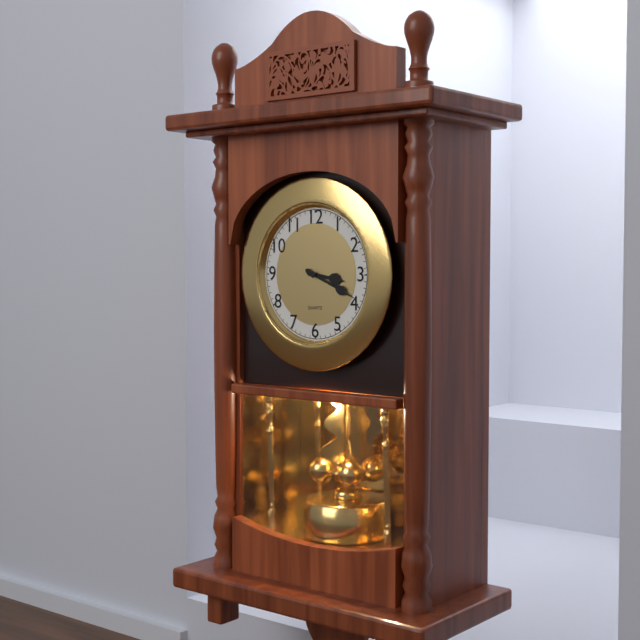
3:19
